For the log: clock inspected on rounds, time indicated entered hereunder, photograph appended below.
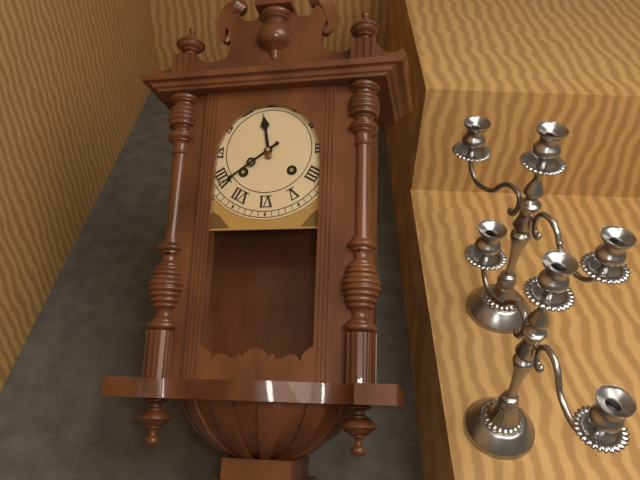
11:39
